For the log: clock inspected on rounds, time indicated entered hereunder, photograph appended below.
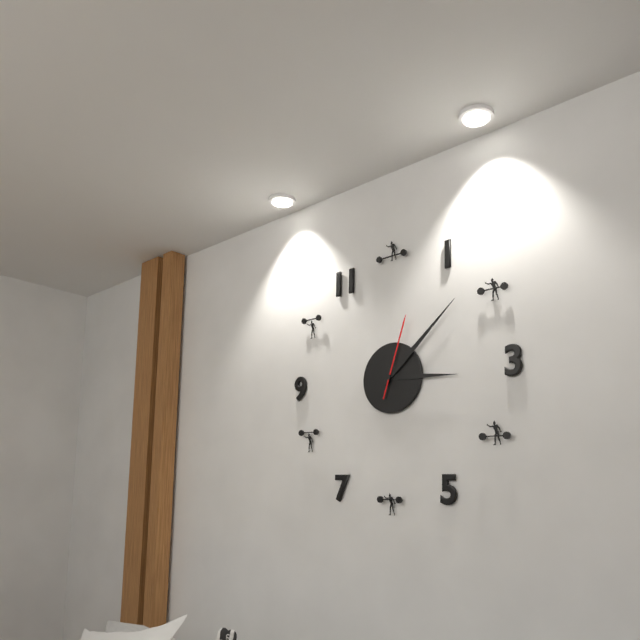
3:08:03
